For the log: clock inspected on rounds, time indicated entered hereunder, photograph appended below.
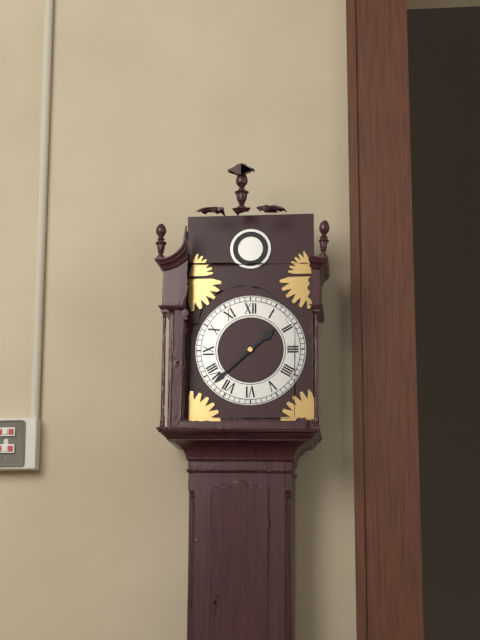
1:38
